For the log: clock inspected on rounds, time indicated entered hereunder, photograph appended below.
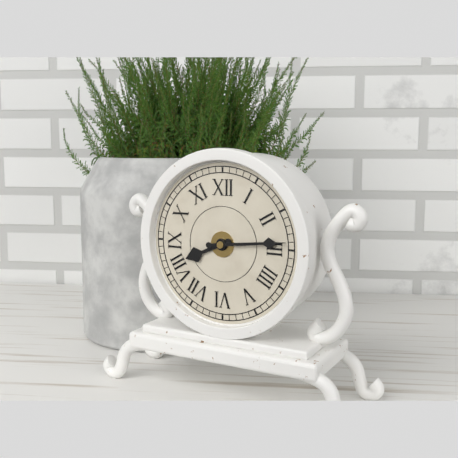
8:14
